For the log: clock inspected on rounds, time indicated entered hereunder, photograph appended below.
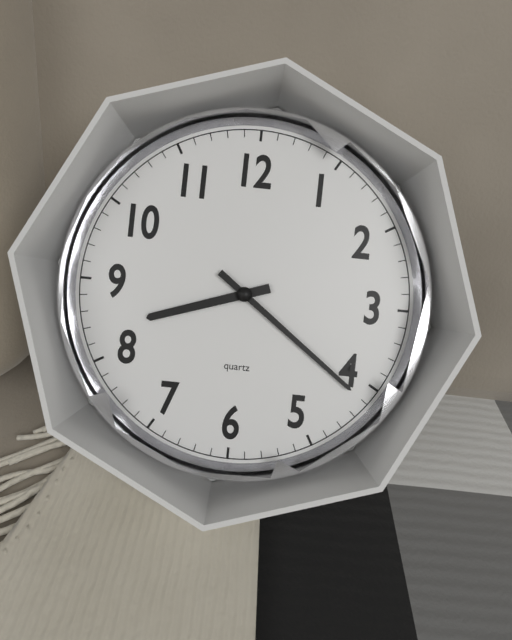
8:21
